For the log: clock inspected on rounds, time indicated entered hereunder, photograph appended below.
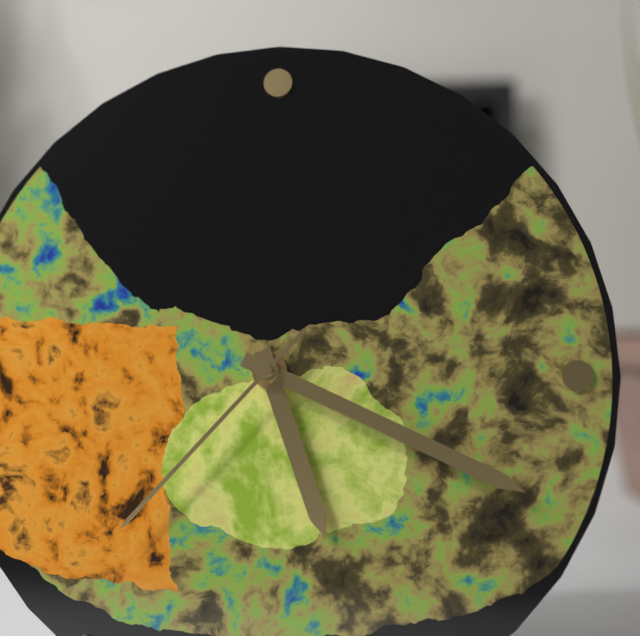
5:19:37
